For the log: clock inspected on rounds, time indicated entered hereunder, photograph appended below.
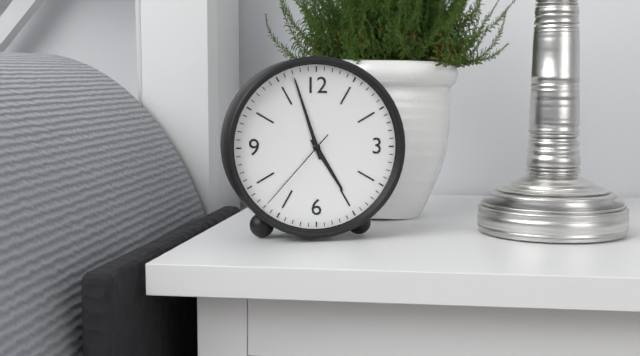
4:57:37
